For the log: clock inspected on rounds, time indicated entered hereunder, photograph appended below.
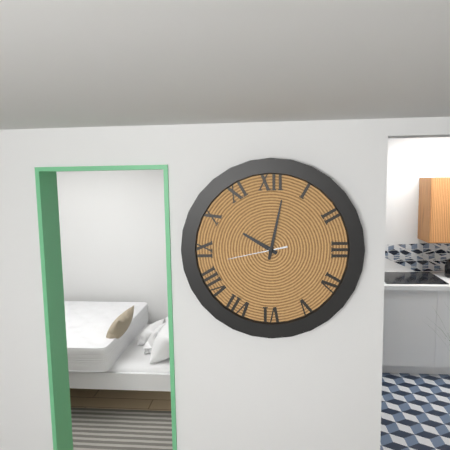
10:02:43
